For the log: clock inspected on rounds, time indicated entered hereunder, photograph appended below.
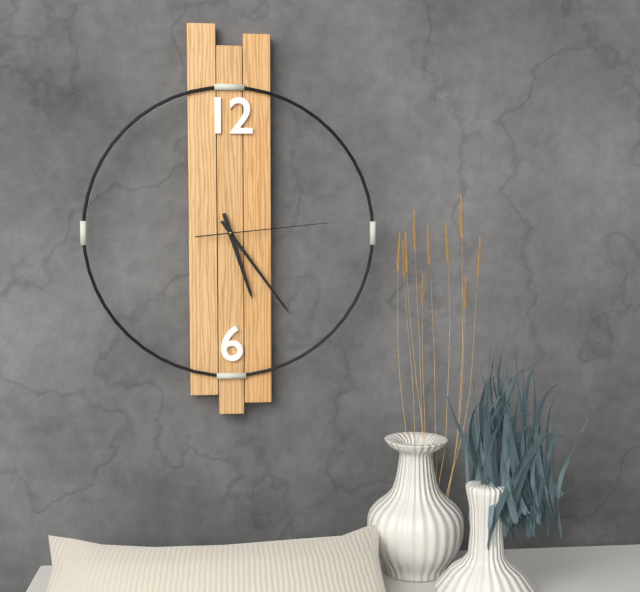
5:24:14
